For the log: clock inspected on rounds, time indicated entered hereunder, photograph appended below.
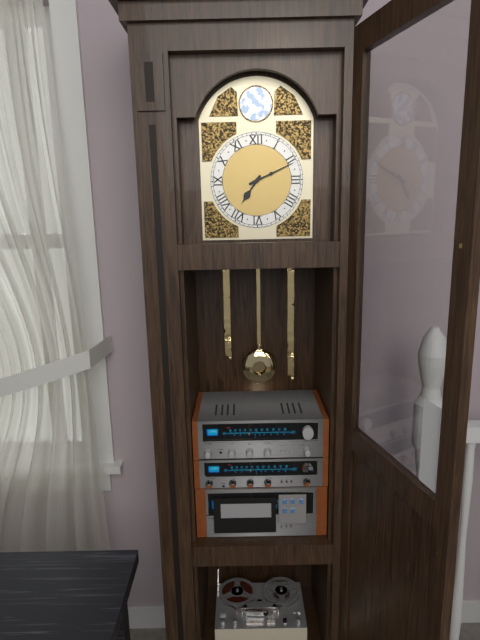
7:11
